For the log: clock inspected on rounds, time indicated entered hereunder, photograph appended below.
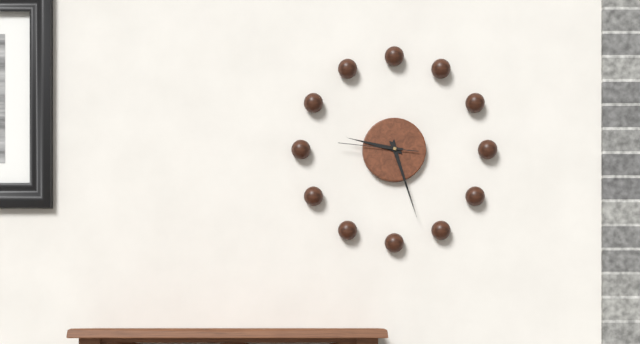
9:27:46
